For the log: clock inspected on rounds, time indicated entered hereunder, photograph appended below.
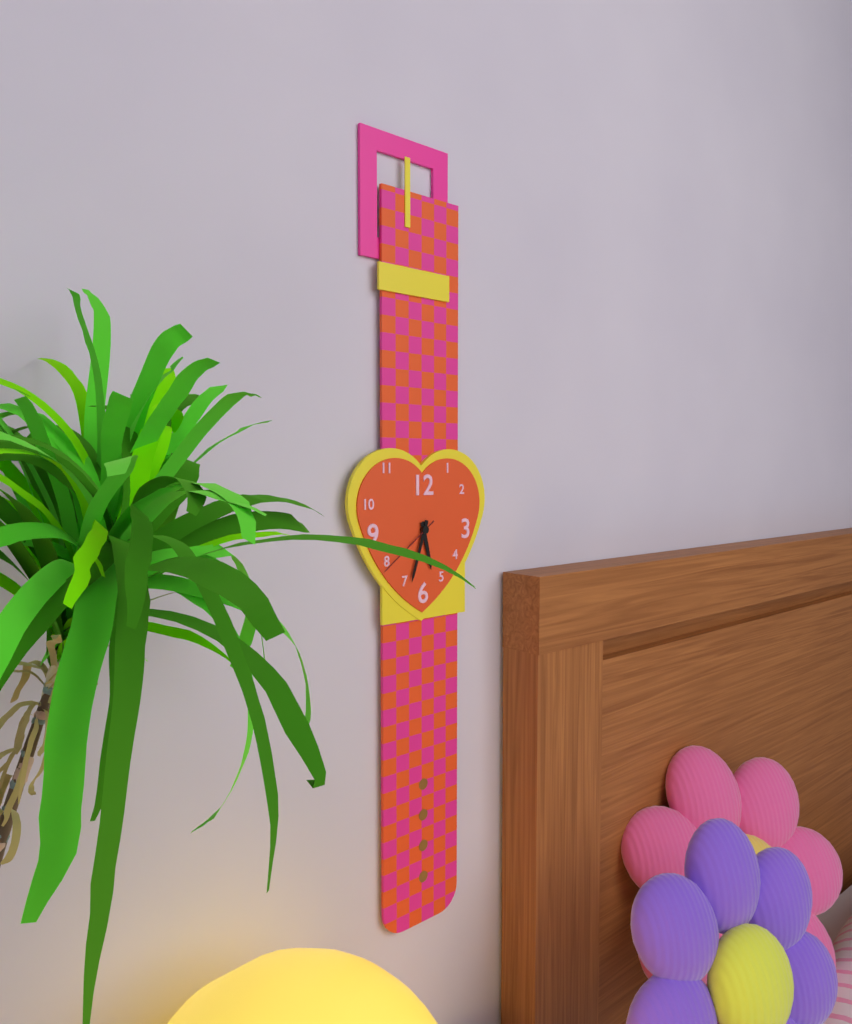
5:33:39
